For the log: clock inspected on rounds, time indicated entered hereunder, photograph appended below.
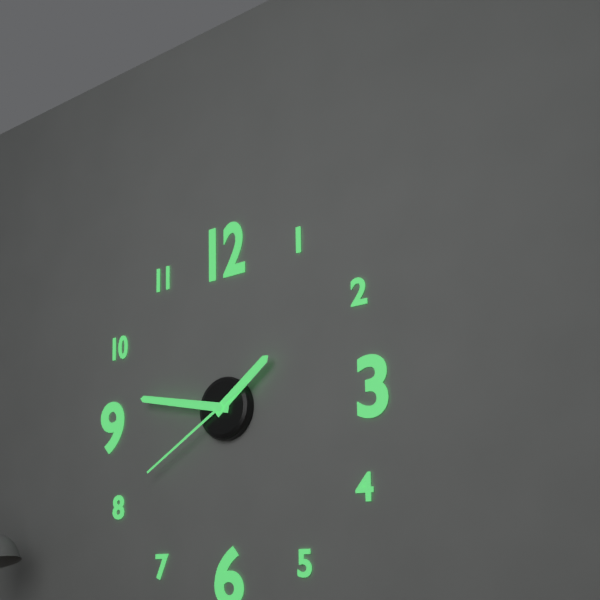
1:47:40
